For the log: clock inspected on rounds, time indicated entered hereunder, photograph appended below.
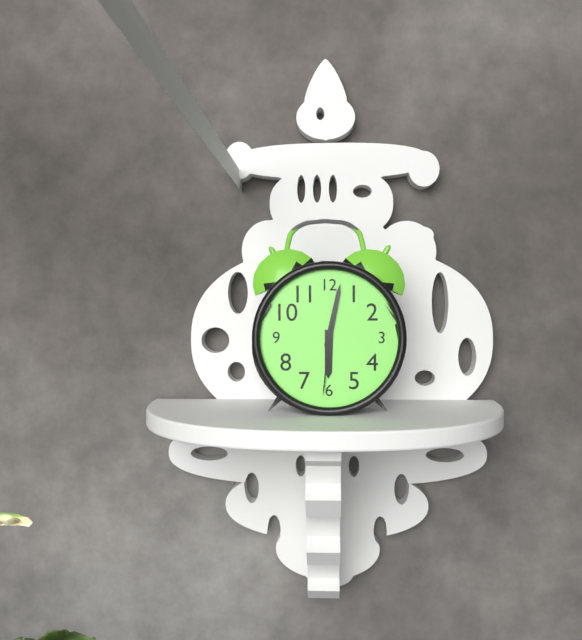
6:02:31
